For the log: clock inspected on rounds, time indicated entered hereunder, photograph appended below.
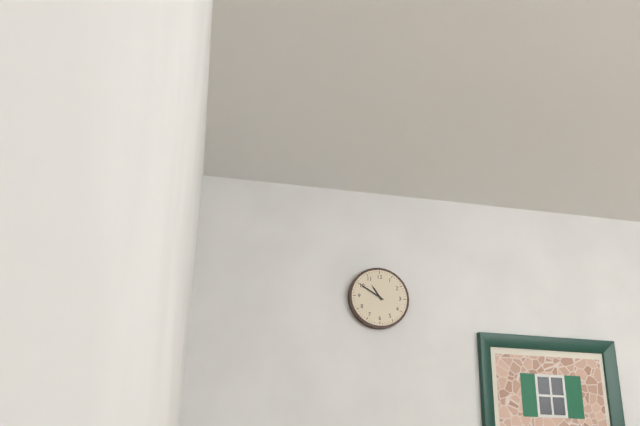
10:50
